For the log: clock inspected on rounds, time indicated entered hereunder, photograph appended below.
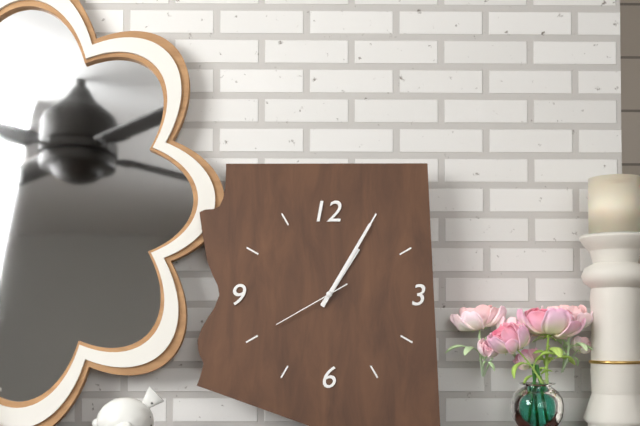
1:05:40
